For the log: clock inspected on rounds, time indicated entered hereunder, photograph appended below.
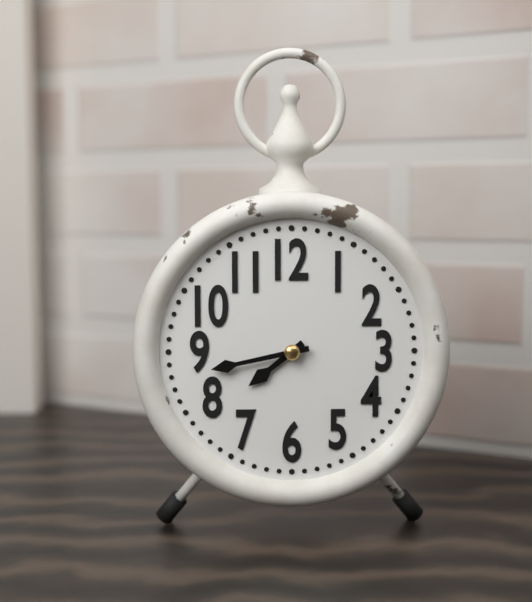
7:43
